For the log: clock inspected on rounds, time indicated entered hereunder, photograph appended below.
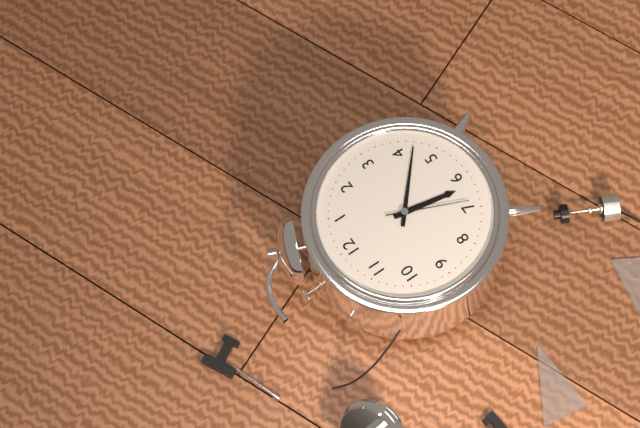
6:22:34
